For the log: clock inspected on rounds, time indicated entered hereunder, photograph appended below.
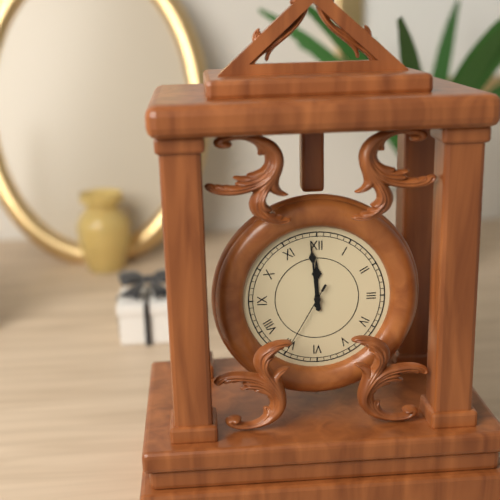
11:59:35
